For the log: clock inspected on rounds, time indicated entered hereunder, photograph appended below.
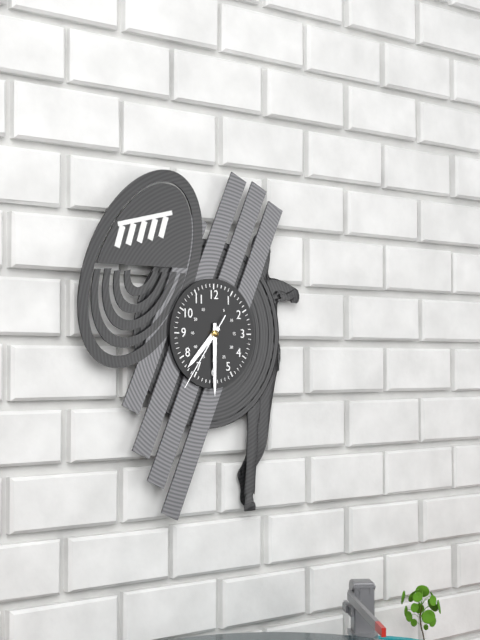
7:30:36
